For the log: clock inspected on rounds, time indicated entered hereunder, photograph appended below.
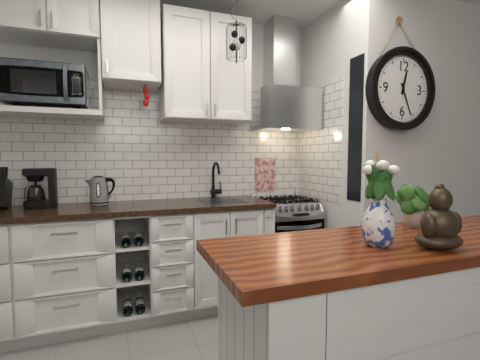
12:26
